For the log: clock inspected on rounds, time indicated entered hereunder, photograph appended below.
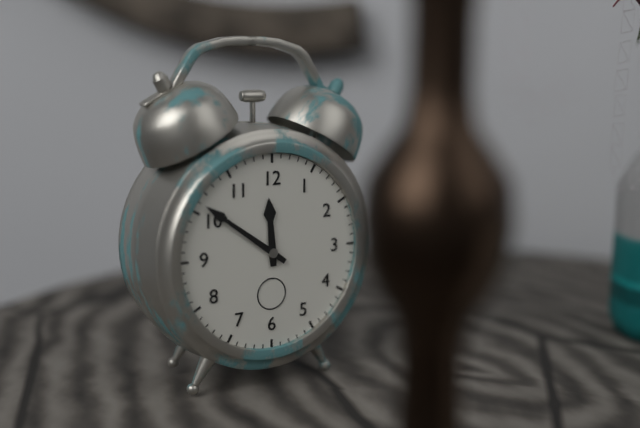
11:51
